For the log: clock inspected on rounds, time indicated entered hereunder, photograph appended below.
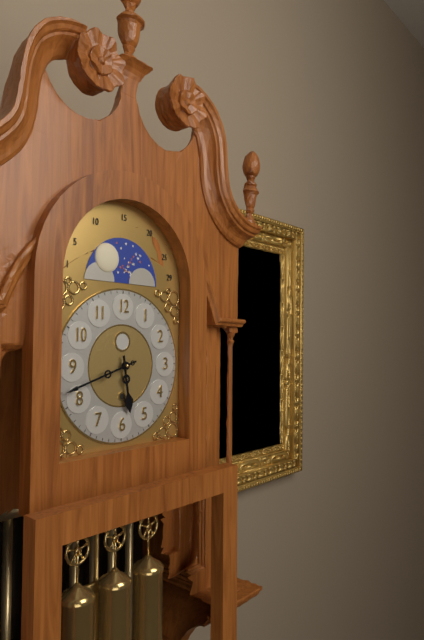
5:42
